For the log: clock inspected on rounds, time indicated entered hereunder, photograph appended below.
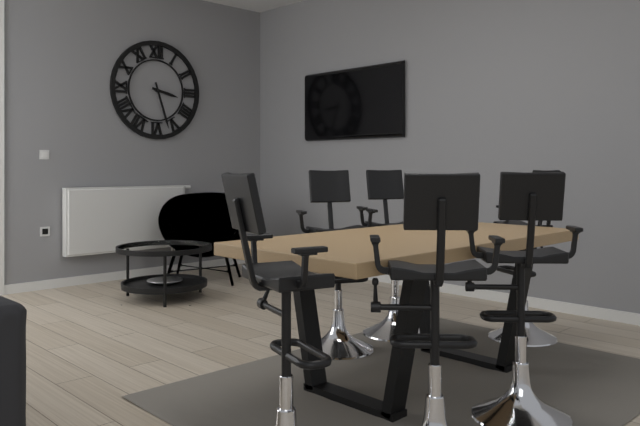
3:27
